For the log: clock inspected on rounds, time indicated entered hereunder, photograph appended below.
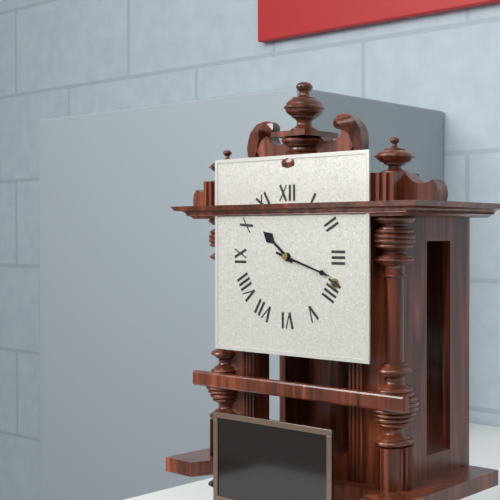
10:18
